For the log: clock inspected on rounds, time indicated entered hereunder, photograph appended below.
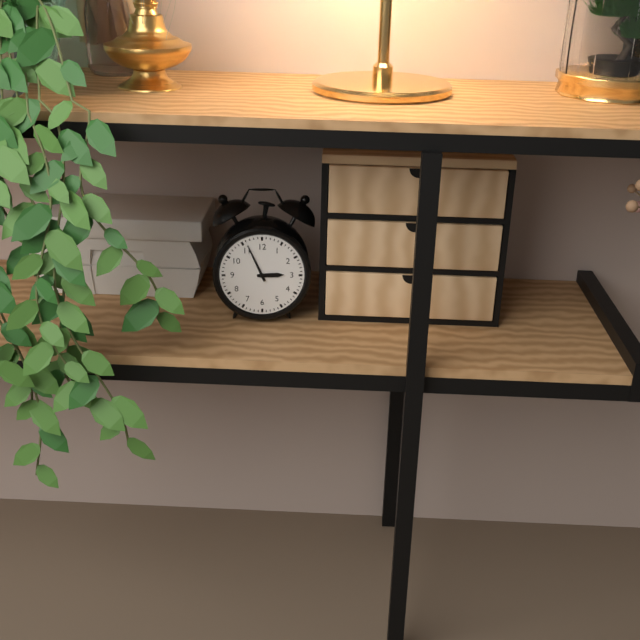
2:56
